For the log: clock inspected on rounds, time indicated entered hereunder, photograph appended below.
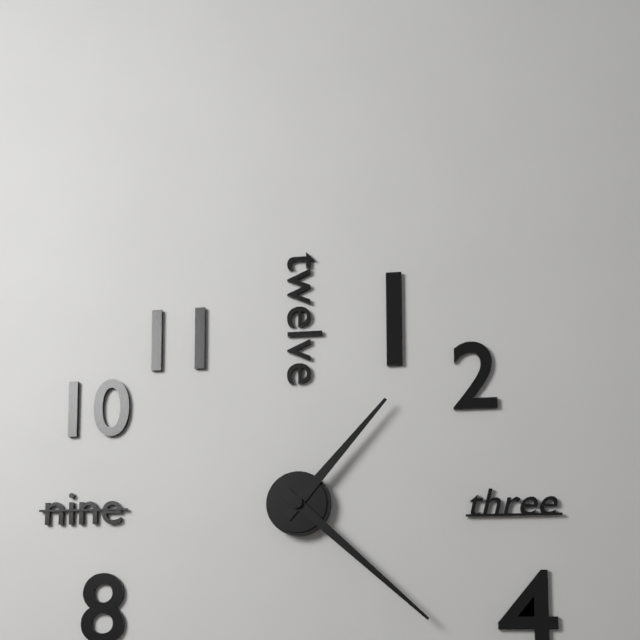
1:22
